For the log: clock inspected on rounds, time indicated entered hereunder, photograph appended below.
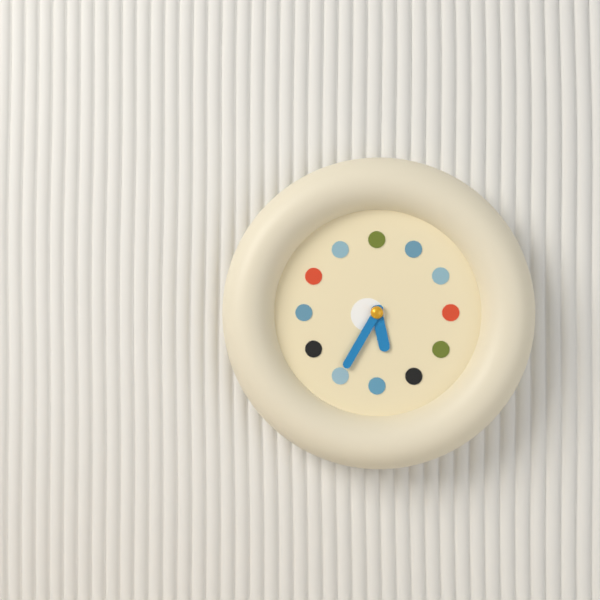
5:35
